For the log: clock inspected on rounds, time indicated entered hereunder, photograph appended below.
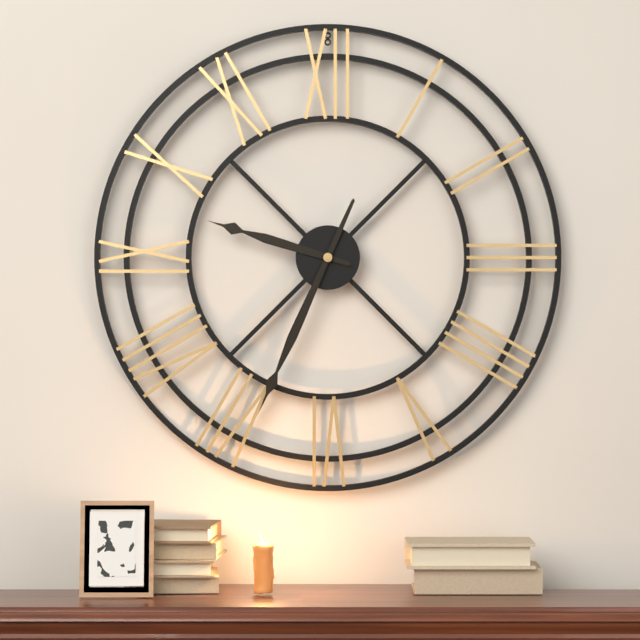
9:34
